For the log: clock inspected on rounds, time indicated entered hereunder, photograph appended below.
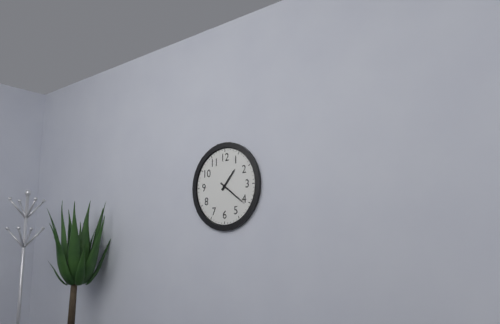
1:21
